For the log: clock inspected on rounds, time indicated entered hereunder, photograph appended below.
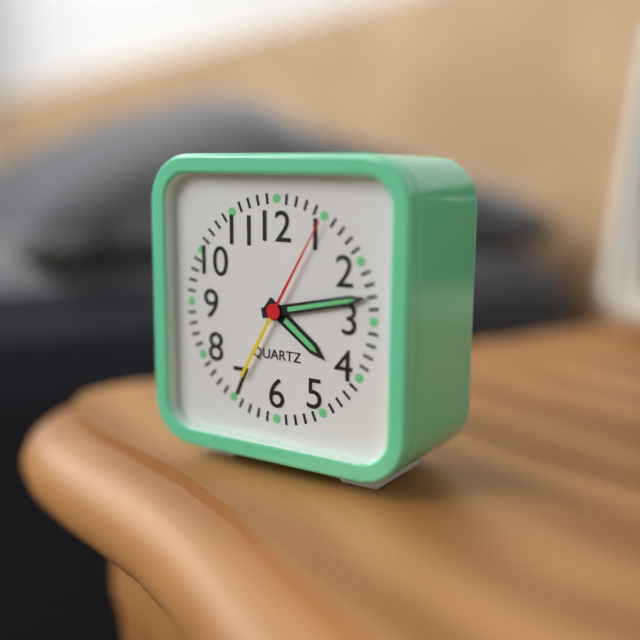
4:13:05
